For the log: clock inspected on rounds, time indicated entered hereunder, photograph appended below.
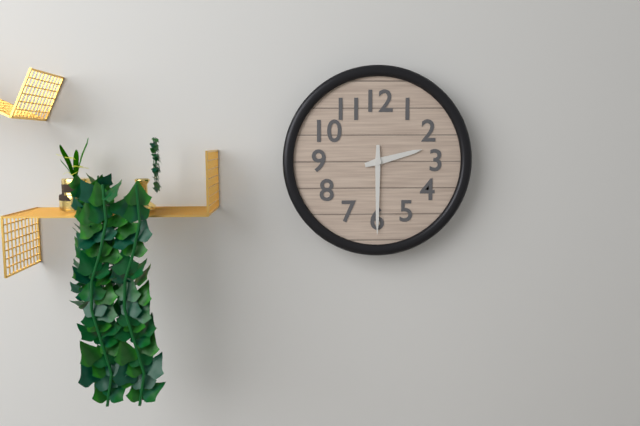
2:30
